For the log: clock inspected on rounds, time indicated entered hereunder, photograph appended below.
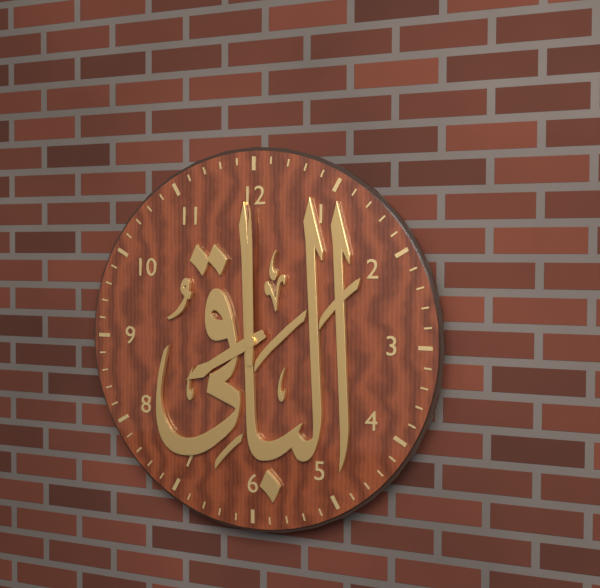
8:00
